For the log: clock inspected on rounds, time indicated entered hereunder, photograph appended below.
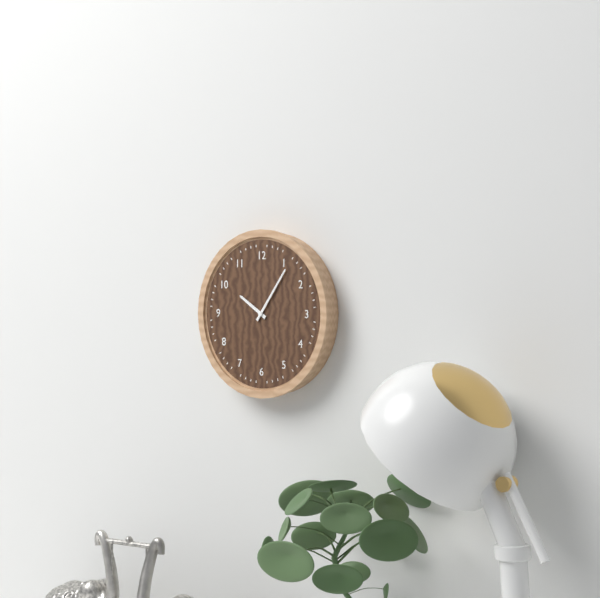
10:06
